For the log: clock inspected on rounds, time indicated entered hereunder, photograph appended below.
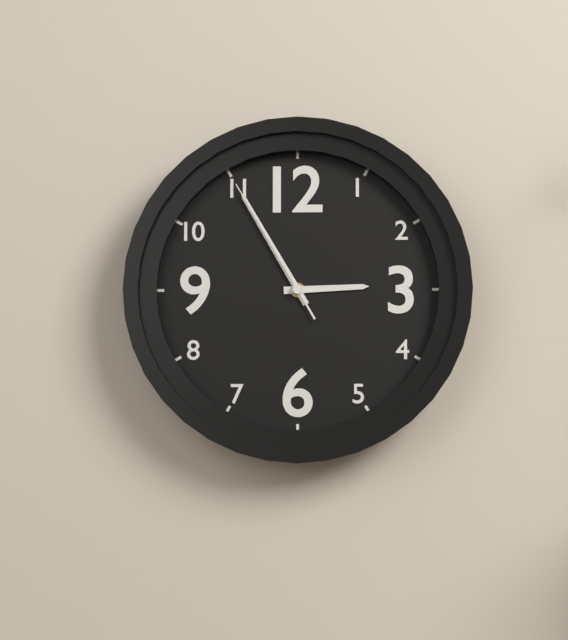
2:55:55
